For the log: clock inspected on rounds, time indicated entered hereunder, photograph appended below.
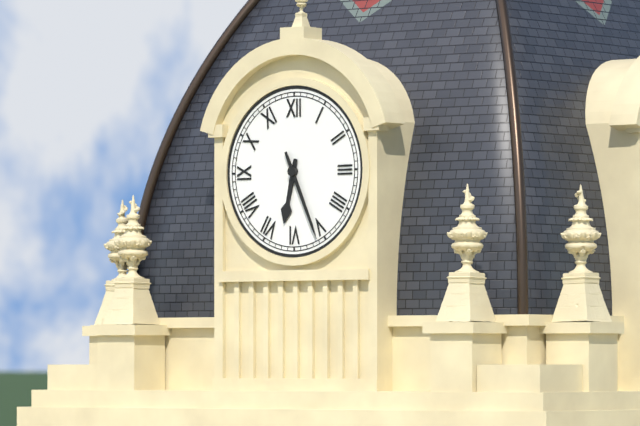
6:26
